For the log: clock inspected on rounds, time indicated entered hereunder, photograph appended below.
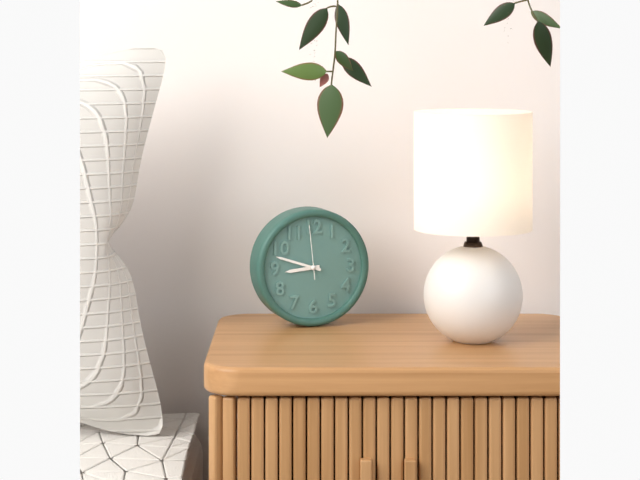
8:48:59
